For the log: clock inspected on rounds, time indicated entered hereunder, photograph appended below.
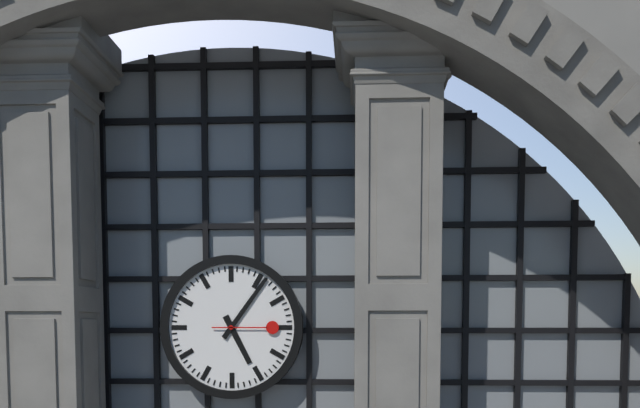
5:06:15
